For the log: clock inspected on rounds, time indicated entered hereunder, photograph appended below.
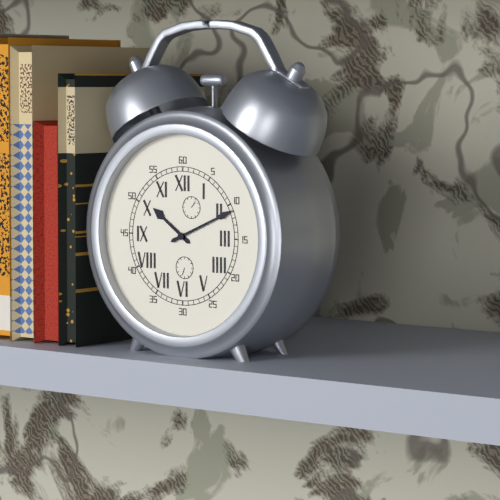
10:11
